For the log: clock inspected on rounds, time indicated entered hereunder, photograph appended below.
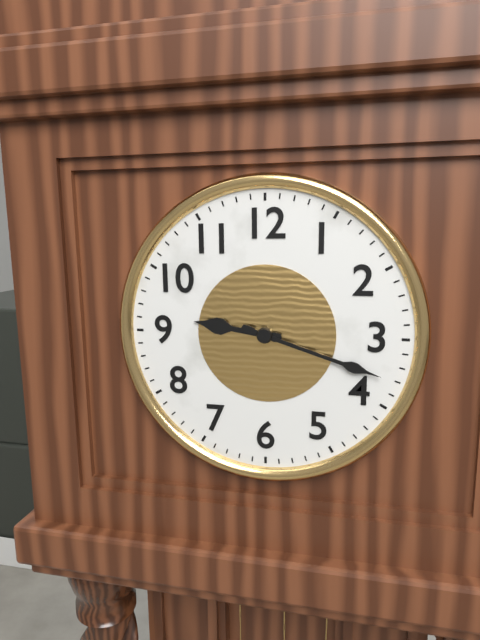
9:18
